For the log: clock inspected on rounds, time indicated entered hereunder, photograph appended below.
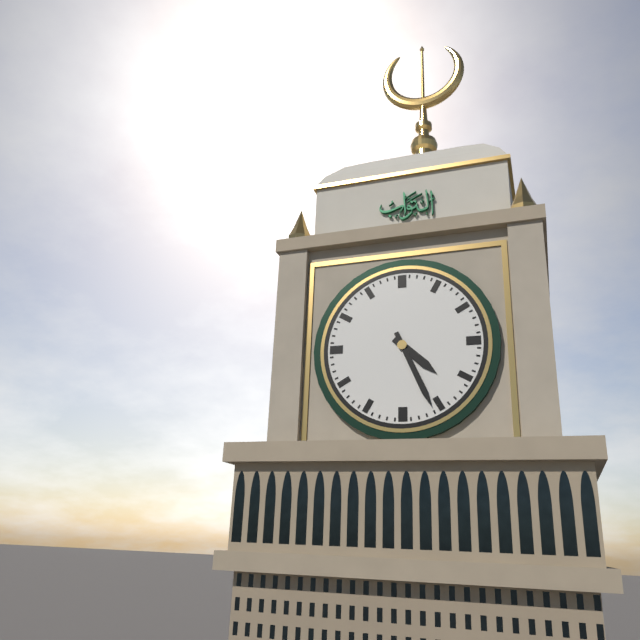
4:26
